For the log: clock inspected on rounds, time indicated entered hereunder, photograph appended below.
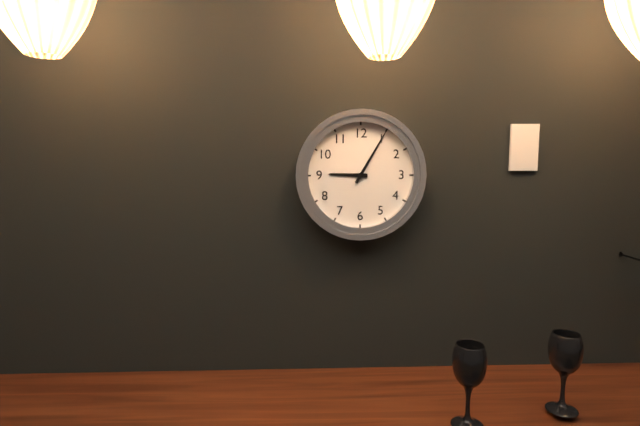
9:05
